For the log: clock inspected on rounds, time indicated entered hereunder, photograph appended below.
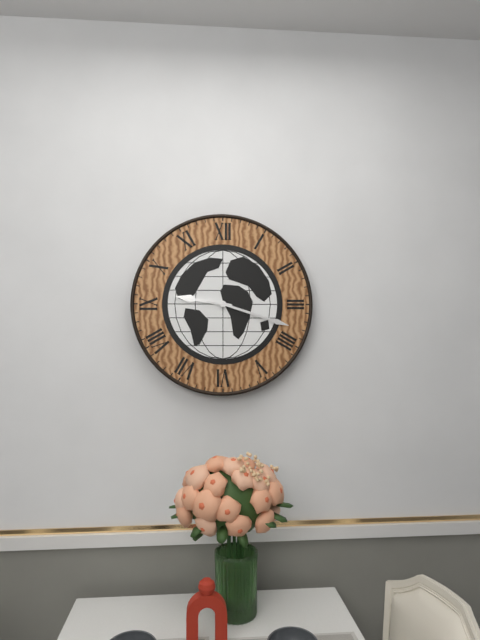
9:18
